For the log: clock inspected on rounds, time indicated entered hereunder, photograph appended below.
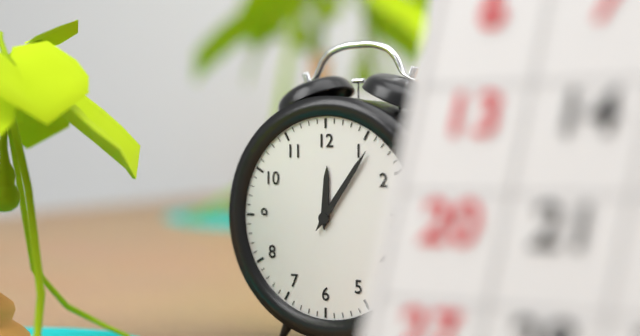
12:06
